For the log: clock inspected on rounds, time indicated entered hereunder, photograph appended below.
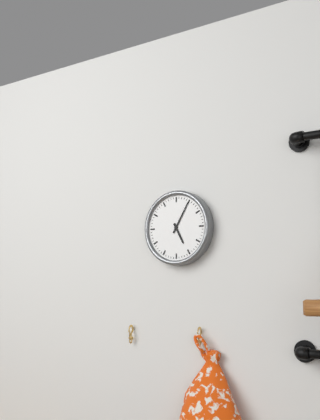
5:05
